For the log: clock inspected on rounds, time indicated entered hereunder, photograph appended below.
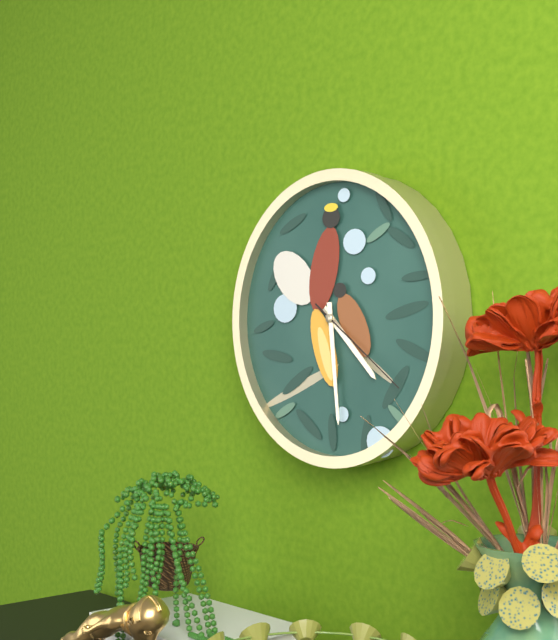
4:29:21
